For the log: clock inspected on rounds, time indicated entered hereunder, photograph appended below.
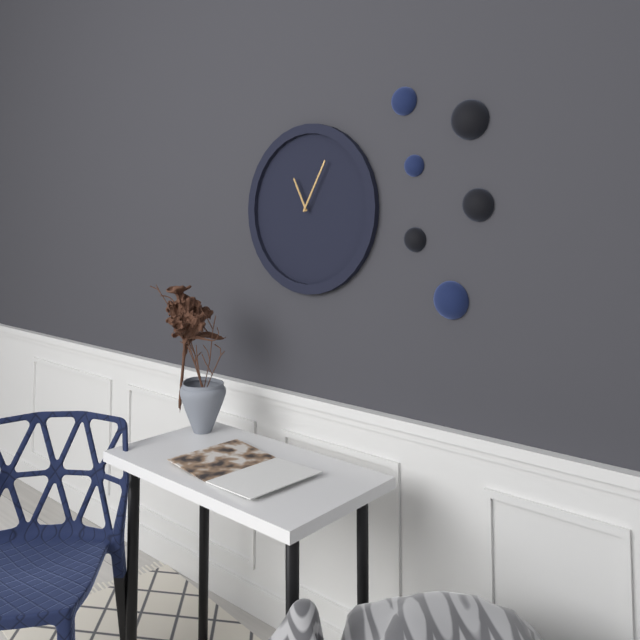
11:05
